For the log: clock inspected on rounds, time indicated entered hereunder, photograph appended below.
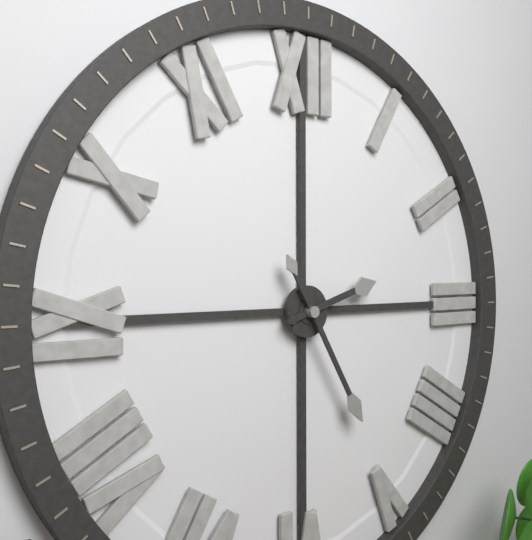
2:25
